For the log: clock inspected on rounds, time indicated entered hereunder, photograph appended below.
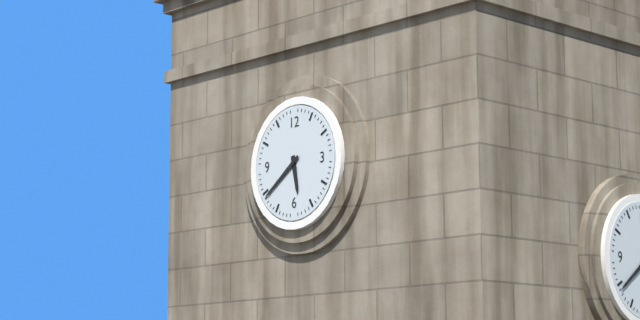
5:39
